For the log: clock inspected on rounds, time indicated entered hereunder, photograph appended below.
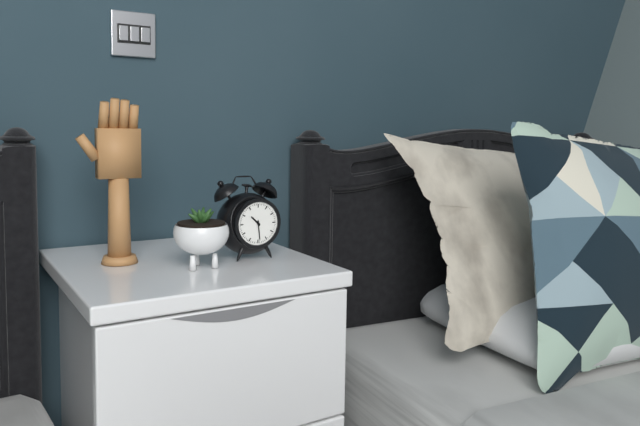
10:29
